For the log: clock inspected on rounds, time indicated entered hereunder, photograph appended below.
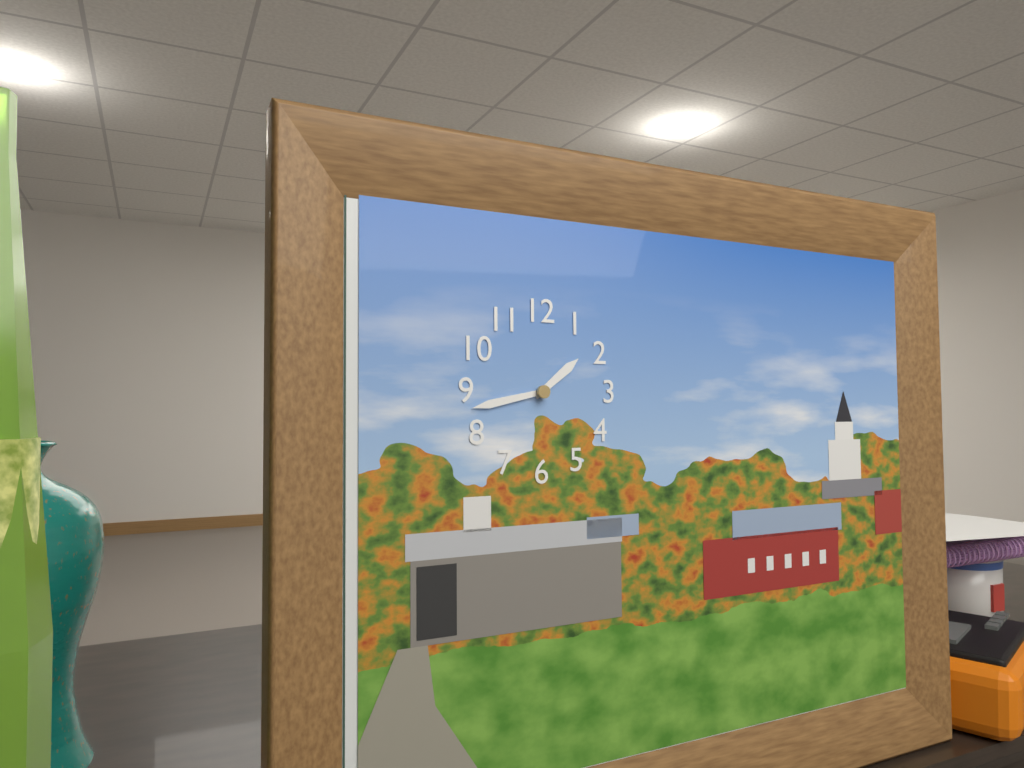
1:43
